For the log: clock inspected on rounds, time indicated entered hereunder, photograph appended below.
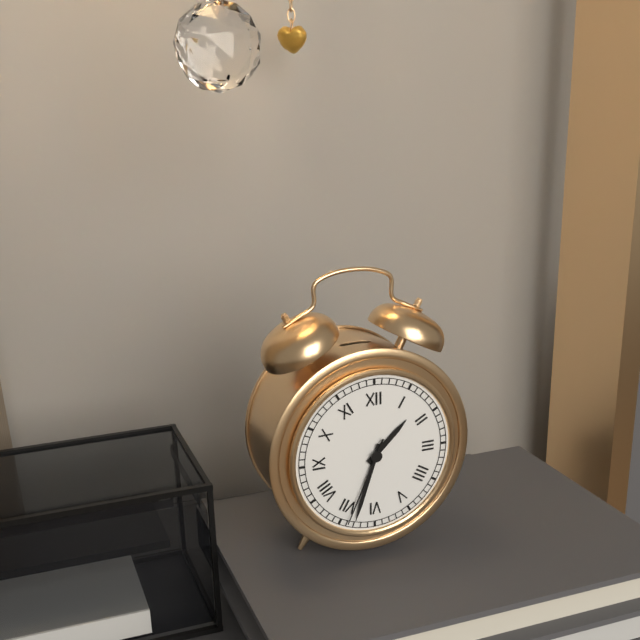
1:33:34
